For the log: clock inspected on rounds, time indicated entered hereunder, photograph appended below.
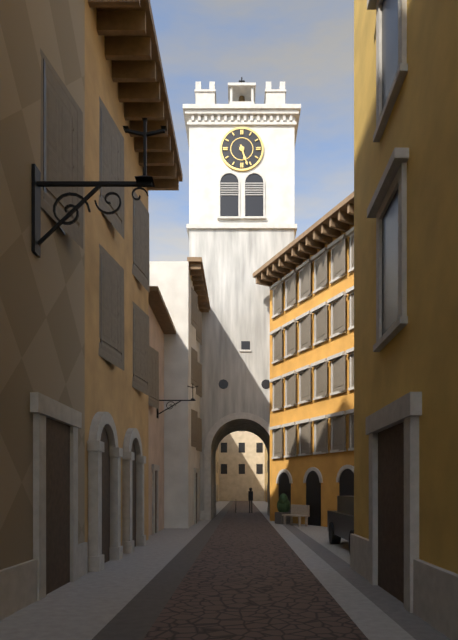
5:27
